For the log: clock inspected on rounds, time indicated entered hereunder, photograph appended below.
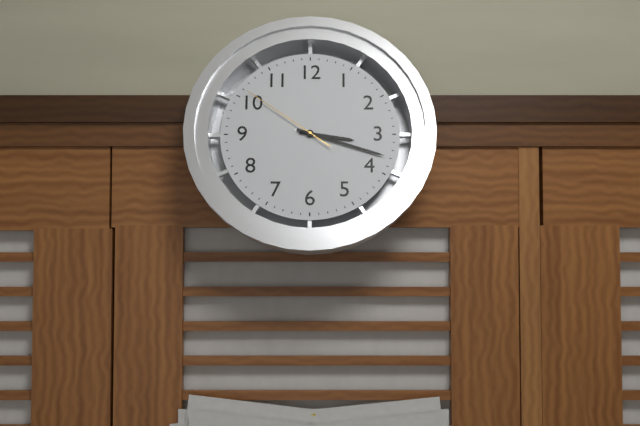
3:18:51
